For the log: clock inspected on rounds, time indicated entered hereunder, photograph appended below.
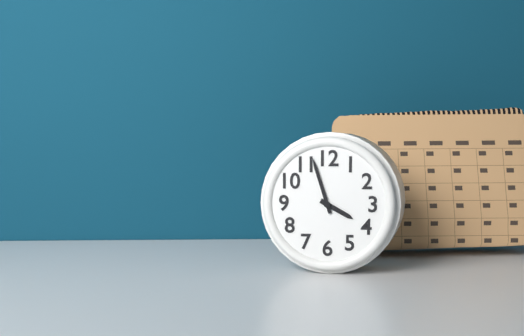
3:57
